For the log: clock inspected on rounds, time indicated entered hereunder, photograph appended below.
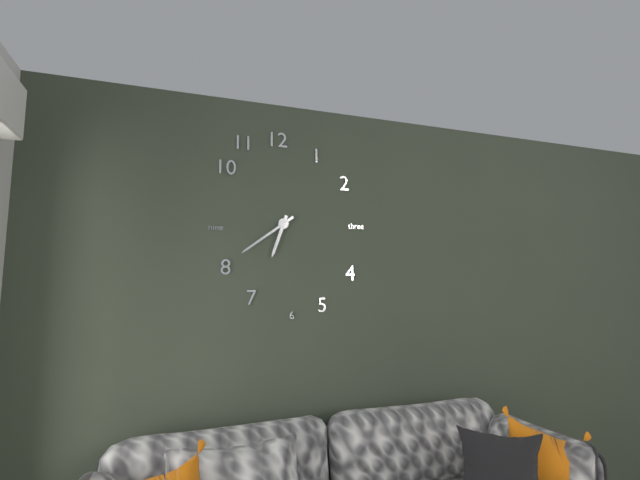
6:39
